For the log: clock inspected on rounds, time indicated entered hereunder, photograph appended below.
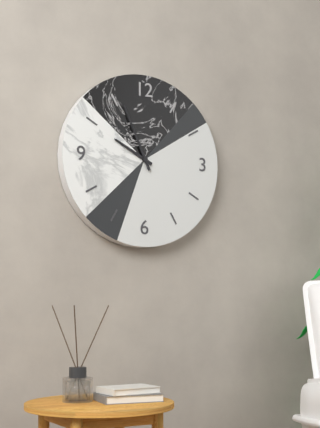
9:56
